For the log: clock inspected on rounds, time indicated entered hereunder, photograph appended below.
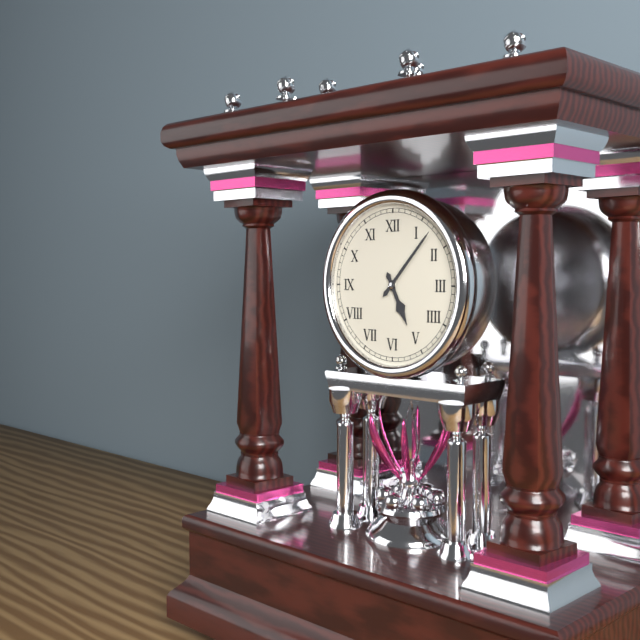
5:07
